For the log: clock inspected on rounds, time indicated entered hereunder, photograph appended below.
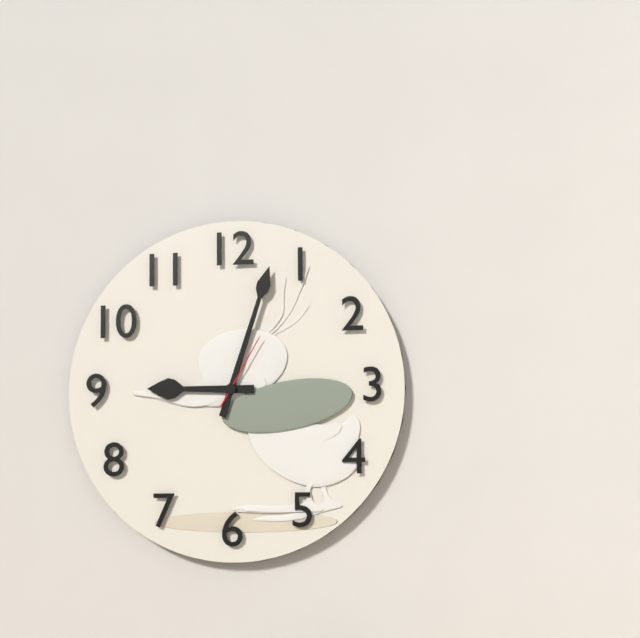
9:03:05
